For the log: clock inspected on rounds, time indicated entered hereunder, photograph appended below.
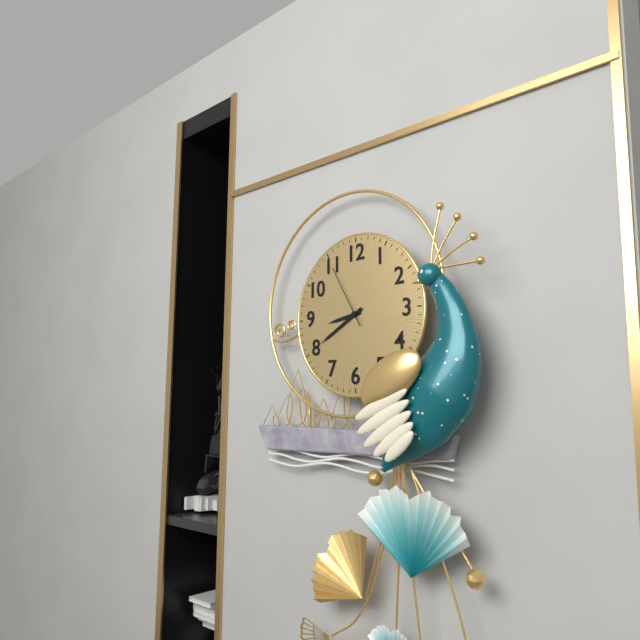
8:40:55
